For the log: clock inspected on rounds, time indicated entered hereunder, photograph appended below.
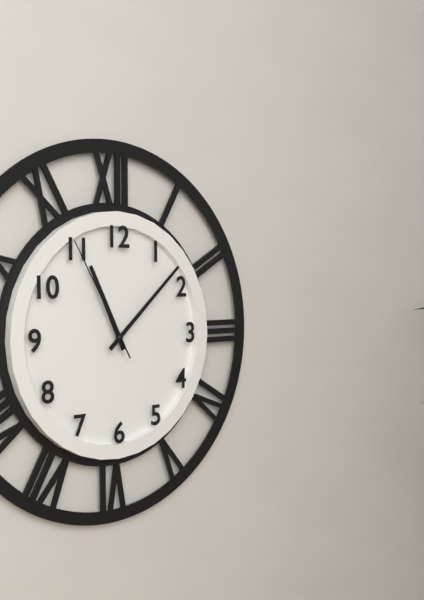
11:08:55
